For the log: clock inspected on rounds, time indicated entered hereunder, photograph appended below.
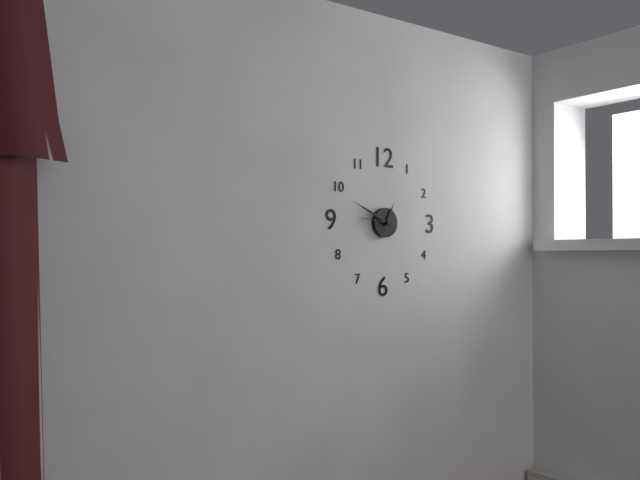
12:49
